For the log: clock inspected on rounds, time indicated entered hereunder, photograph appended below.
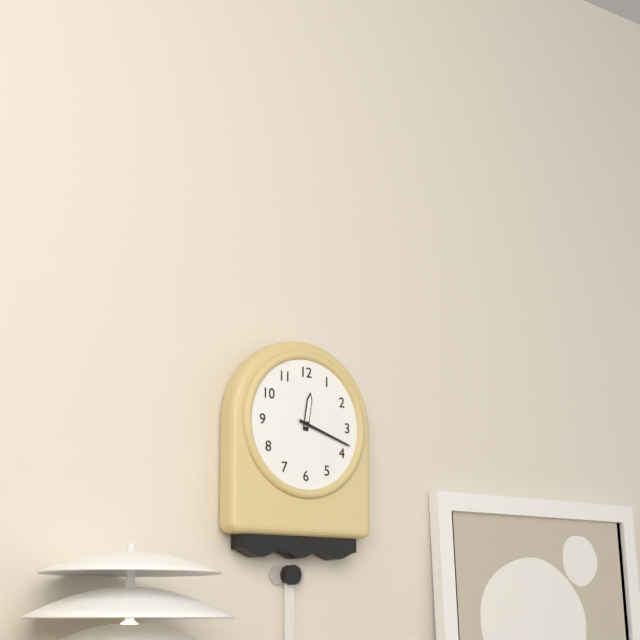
12:18
